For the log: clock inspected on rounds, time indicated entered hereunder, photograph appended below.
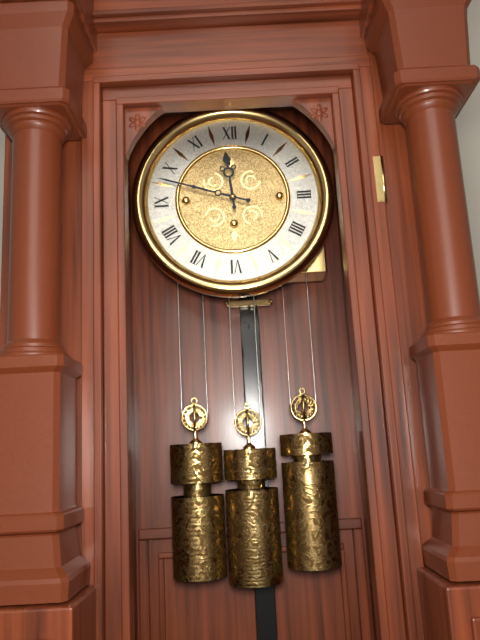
11:48
